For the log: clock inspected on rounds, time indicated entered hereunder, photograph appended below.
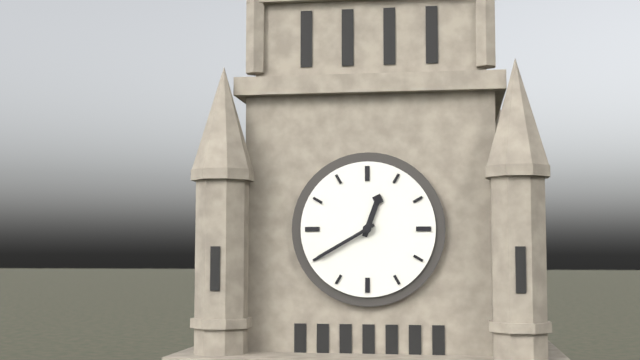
12:40
